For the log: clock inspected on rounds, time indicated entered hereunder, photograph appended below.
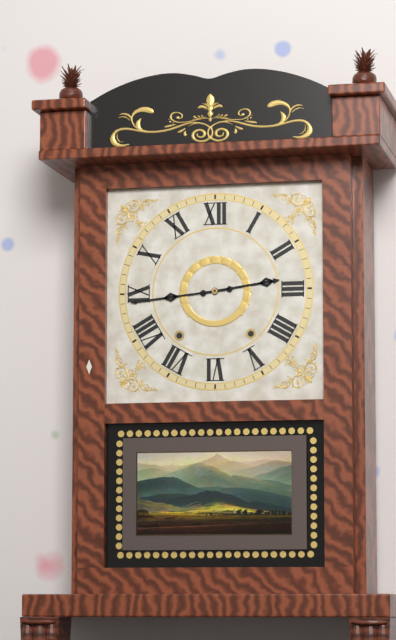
2:44
